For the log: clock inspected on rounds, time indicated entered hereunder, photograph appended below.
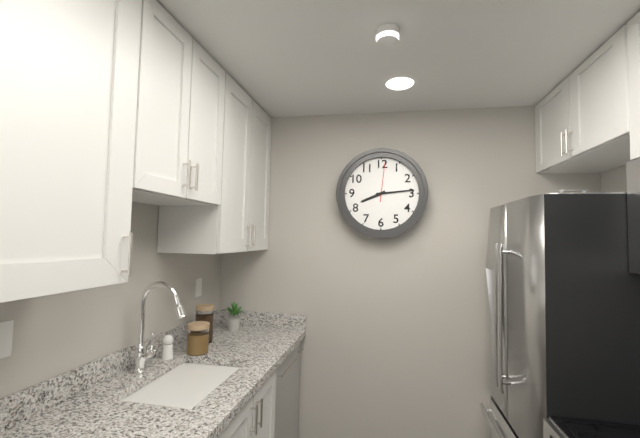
8:14
